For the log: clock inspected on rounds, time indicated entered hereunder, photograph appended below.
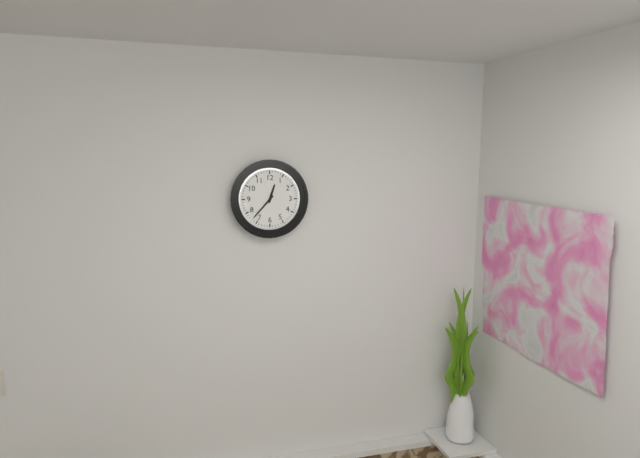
12:37
